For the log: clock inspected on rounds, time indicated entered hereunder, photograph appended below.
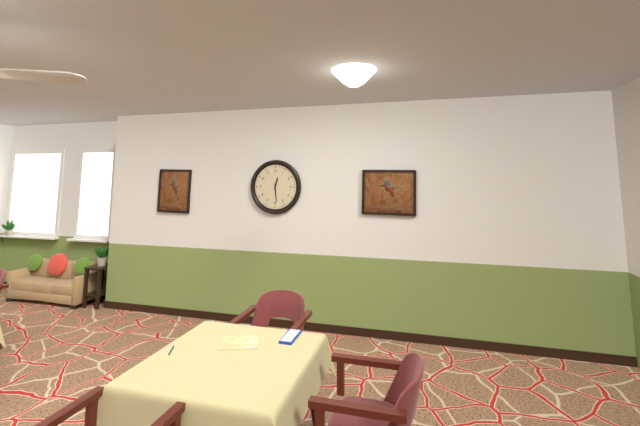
12:29
